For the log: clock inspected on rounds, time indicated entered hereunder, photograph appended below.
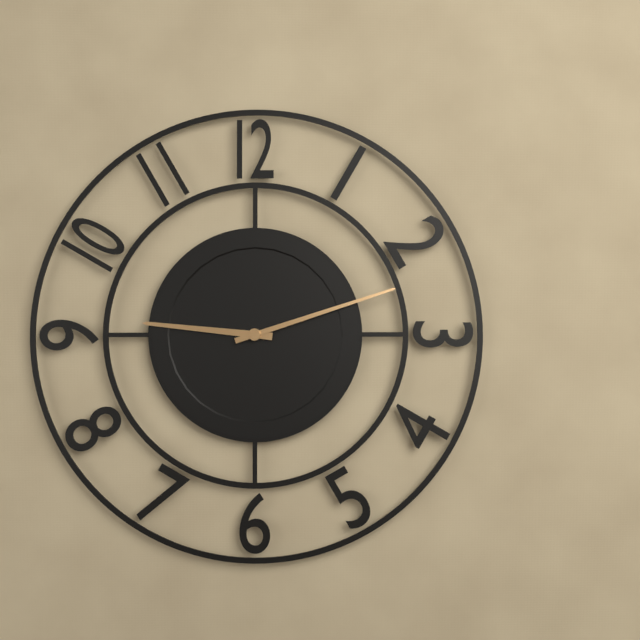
9:12
